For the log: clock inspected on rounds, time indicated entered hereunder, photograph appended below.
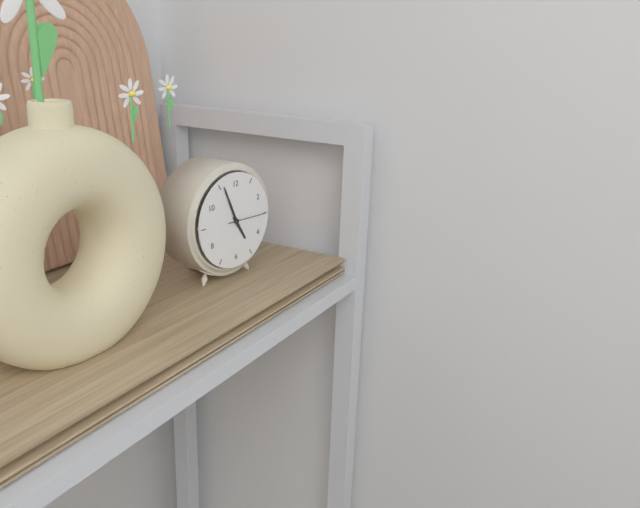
4:56
